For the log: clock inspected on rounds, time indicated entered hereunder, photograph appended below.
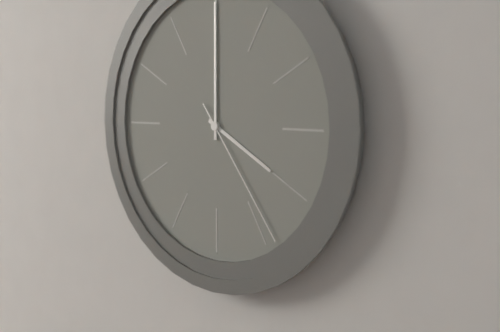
4:00:24
